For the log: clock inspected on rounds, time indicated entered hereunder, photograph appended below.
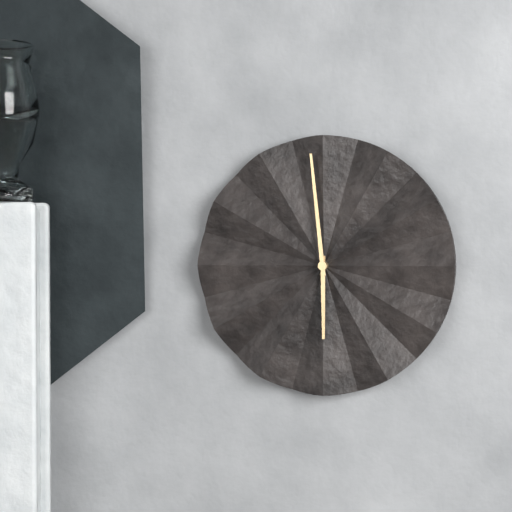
5:59
